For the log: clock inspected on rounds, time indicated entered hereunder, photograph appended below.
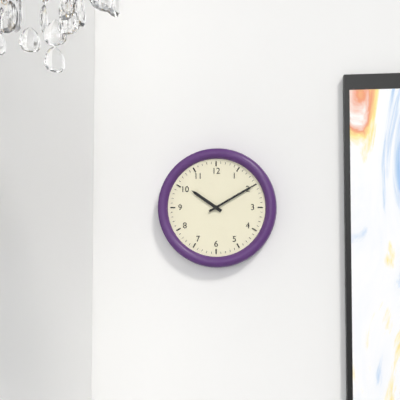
10:10
